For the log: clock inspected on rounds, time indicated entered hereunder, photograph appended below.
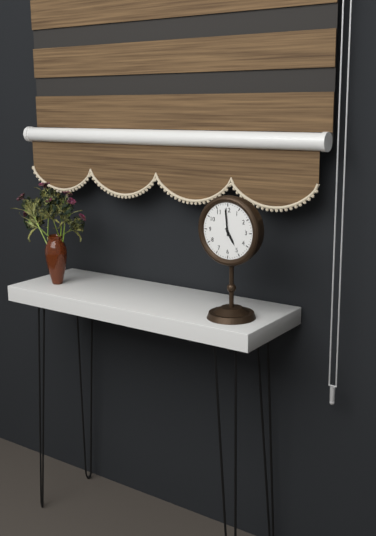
4:59
